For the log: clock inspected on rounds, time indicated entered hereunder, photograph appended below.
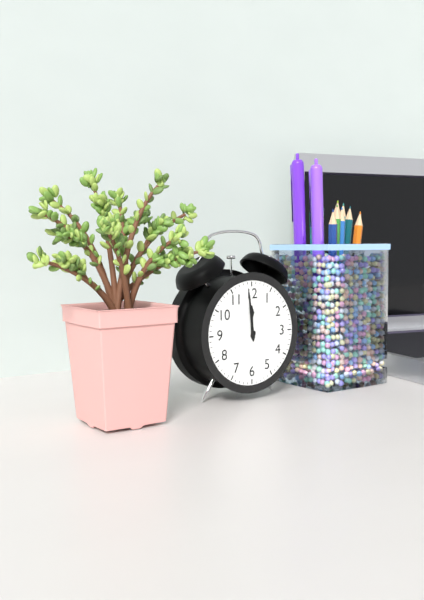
11:59
